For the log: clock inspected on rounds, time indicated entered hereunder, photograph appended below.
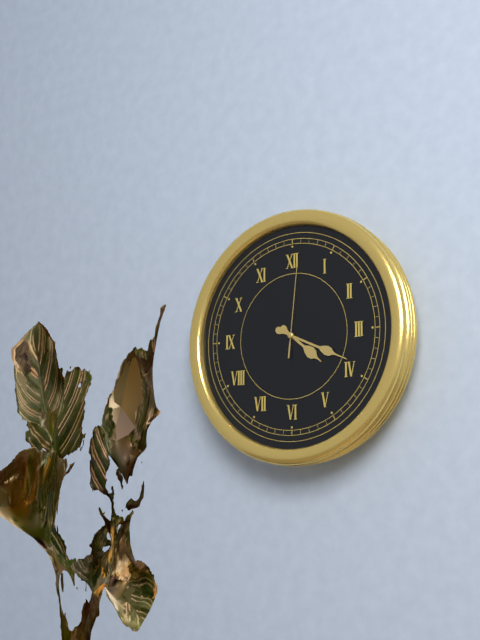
4:19:01
